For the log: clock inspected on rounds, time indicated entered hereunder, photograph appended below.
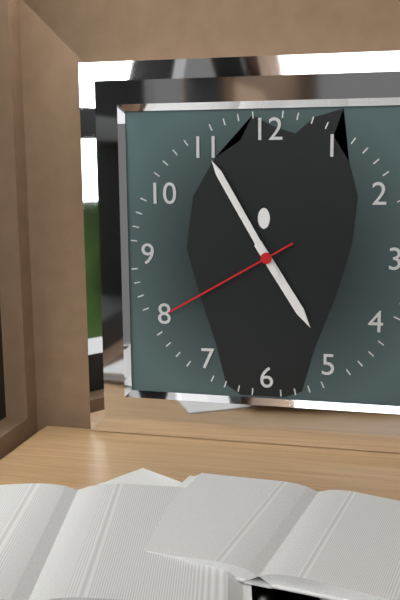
4:55:40
